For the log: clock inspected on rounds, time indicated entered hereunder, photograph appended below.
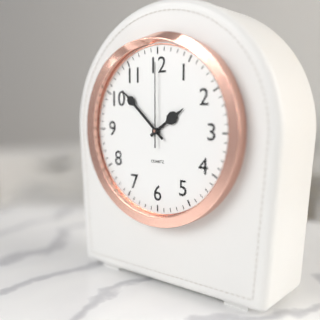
1:52:00
